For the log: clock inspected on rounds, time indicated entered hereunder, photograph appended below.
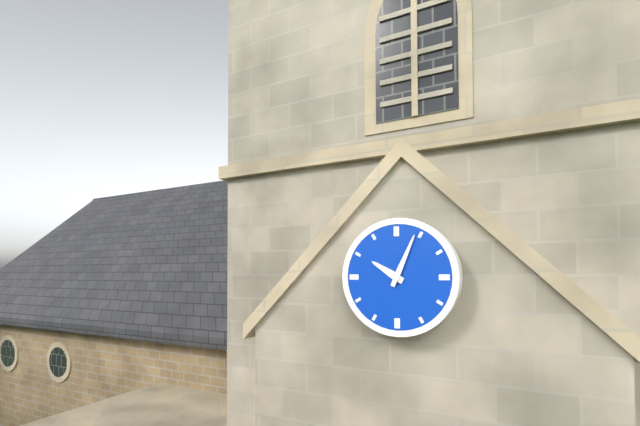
10:04
